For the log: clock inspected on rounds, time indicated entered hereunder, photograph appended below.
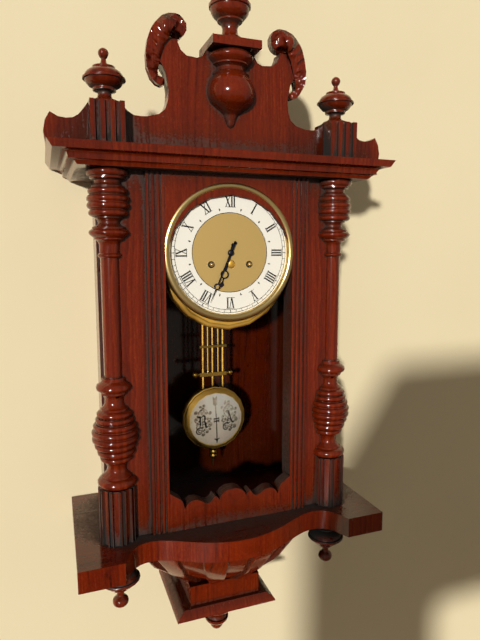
6:34
